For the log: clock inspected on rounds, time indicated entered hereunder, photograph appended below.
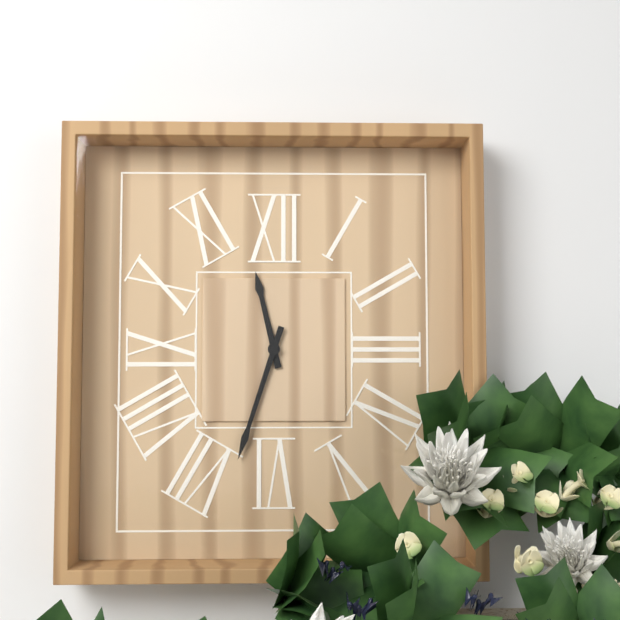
11:33
